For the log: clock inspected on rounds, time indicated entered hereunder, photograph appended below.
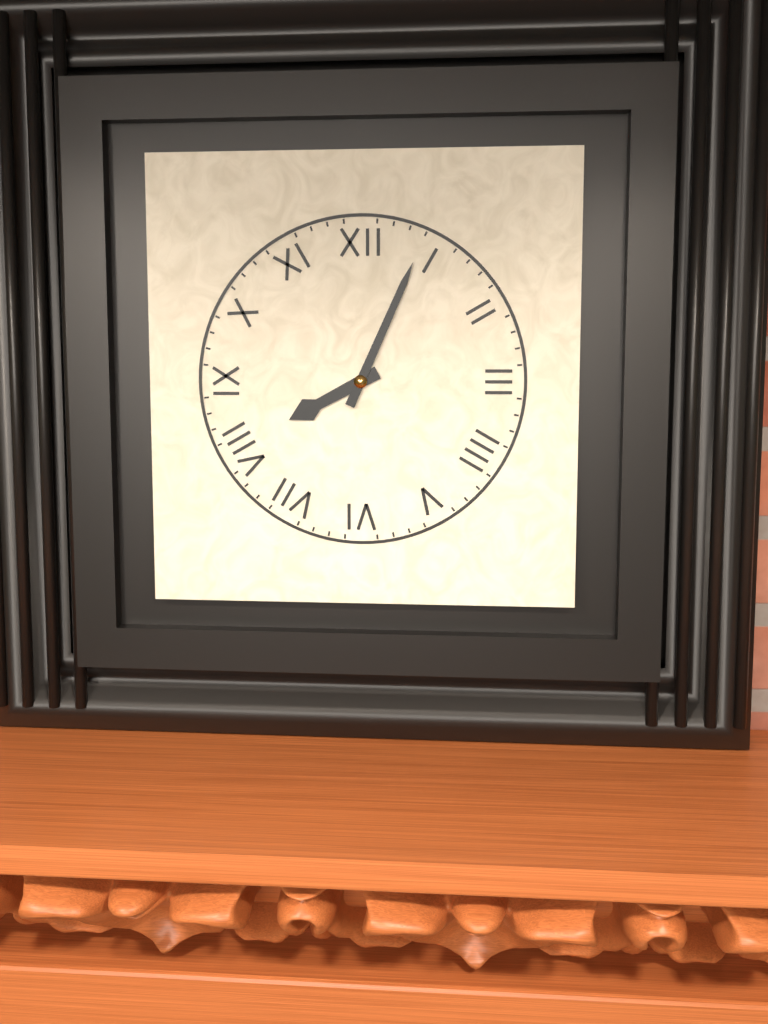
8:04
